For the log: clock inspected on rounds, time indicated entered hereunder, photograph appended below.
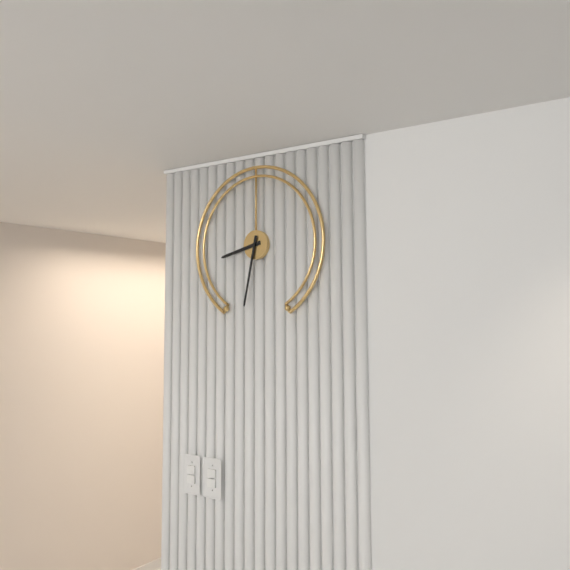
8:32
